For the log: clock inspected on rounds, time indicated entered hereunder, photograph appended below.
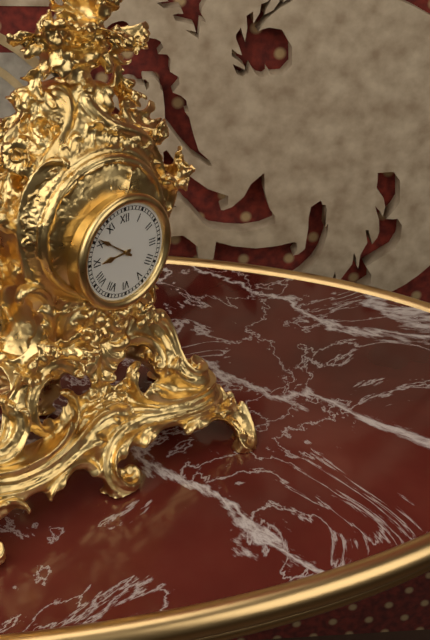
8:51
